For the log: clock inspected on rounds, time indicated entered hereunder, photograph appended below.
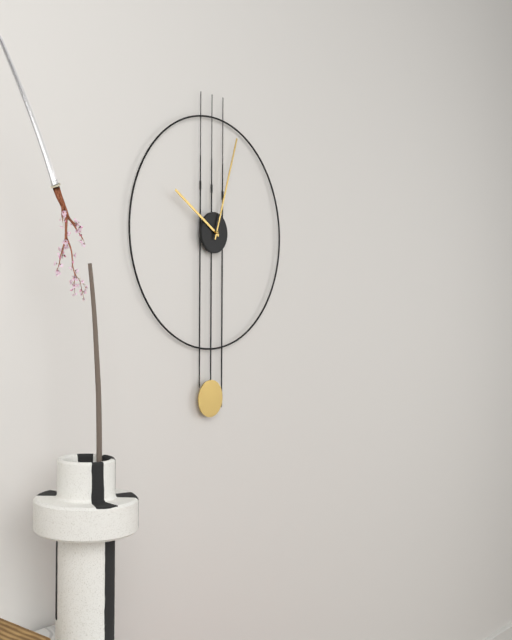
10:03
